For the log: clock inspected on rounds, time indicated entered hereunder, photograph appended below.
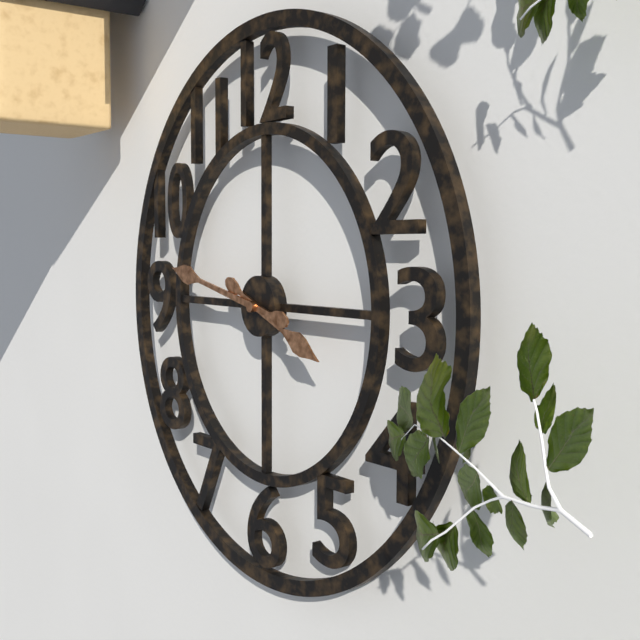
3:47
